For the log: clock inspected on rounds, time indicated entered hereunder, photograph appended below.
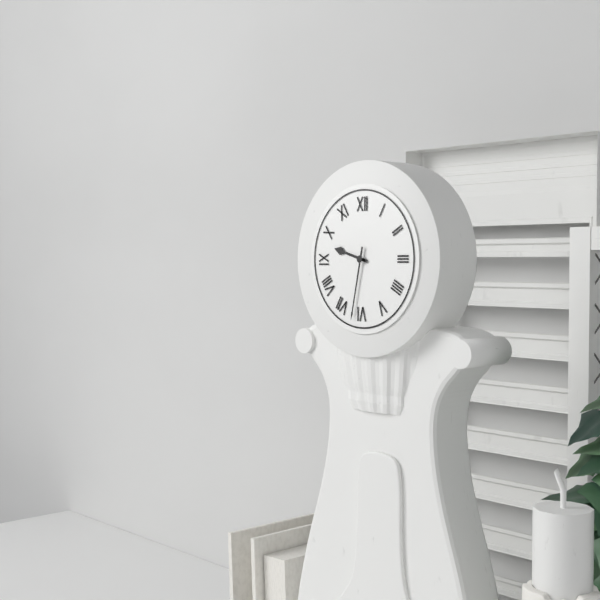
9:32
